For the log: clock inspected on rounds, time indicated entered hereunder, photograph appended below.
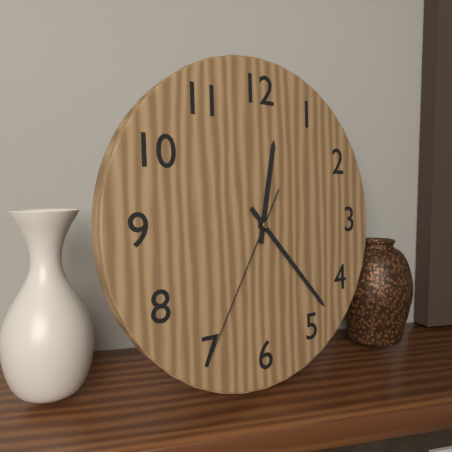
12:23:35
